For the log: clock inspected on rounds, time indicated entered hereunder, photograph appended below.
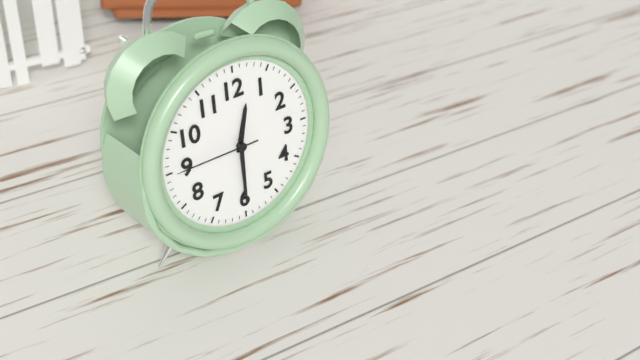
12:30:45
